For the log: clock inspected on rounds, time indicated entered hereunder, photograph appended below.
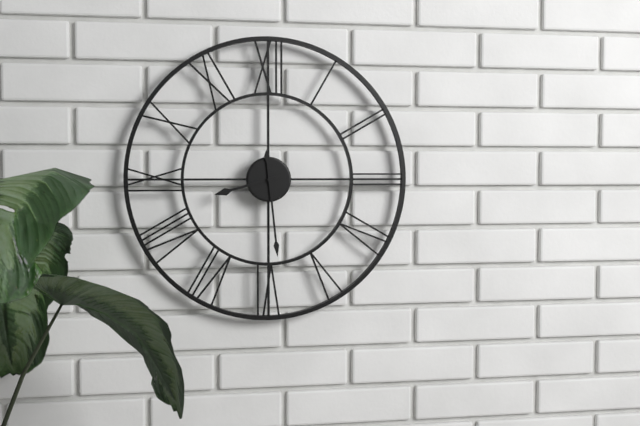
8:29
